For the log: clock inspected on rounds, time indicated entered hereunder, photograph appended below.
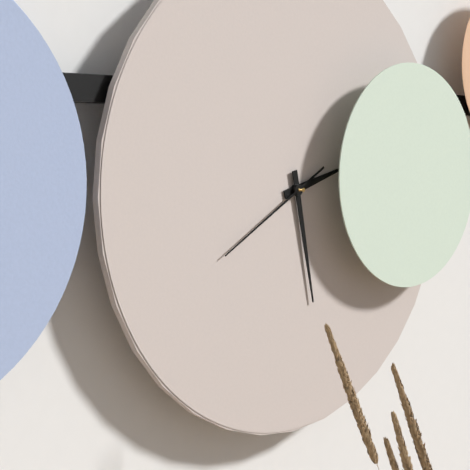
2:28:40
